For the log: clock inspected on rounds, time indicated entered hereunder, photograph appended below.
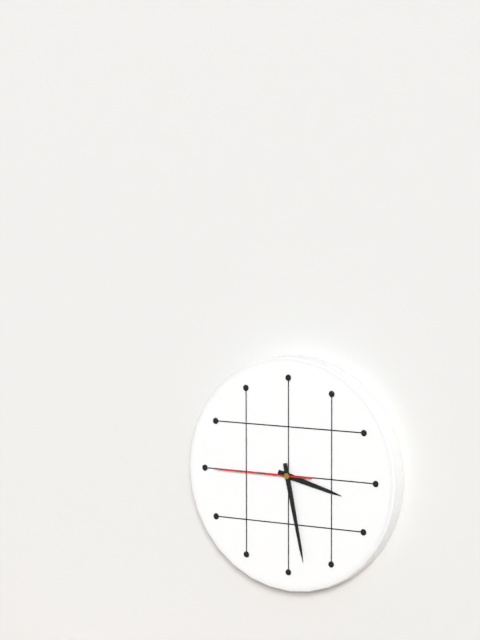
3:28:45
